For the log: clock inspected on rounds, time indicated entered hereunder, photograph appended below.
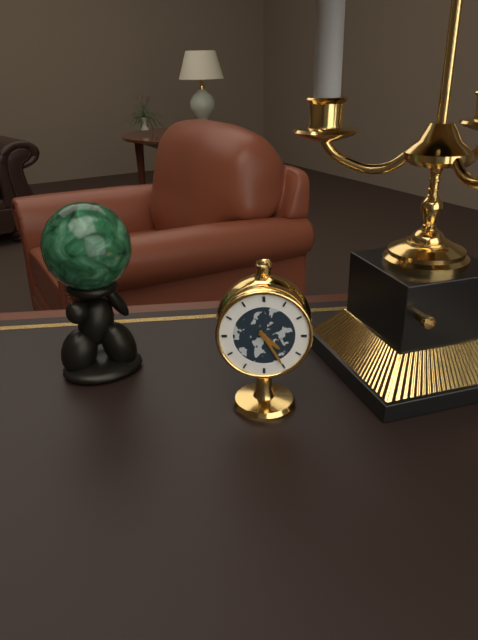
4:25
